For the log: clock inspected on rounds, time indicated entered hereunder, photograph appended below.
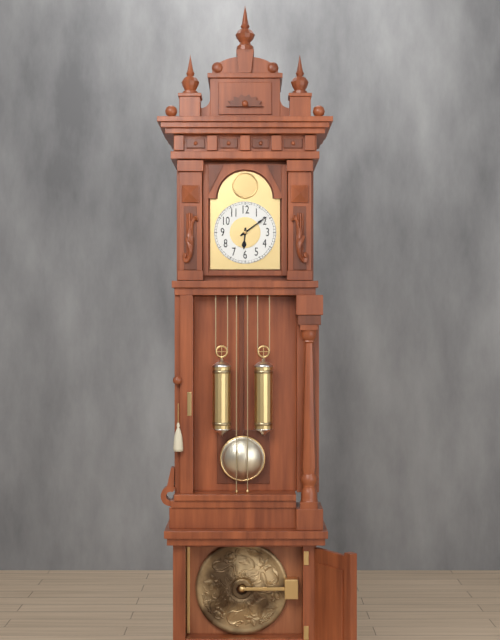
6:09
